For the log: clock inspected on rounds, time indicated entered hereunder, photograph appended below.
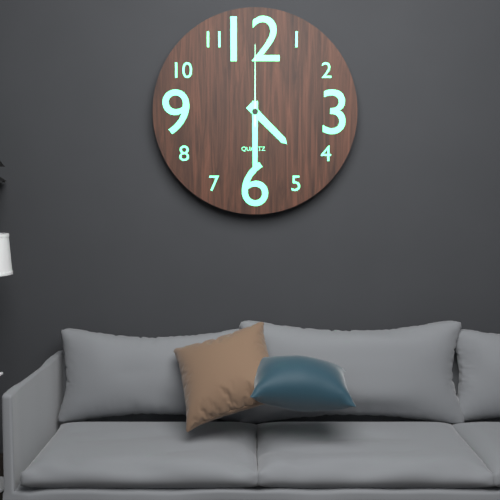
4:30:00
